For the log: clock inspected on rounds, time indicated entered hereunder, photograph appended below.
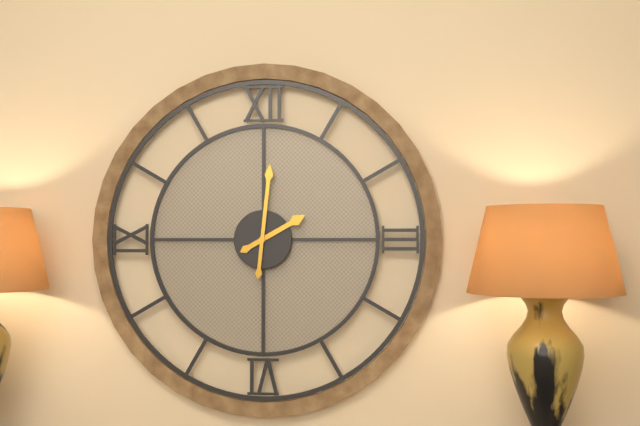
2:01
